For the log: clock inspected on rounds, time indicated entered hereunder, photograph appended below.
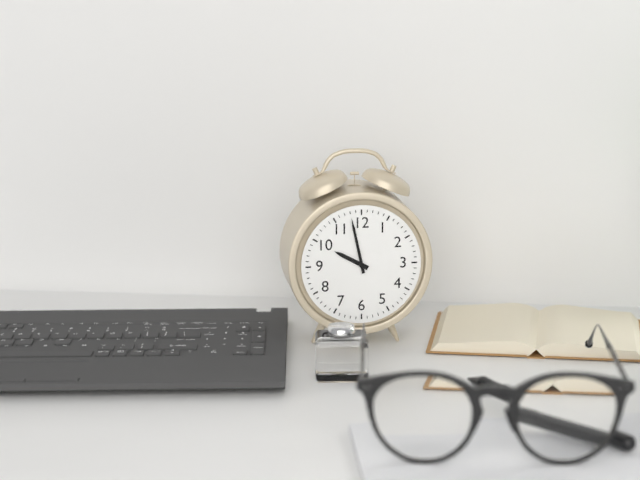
9:58
